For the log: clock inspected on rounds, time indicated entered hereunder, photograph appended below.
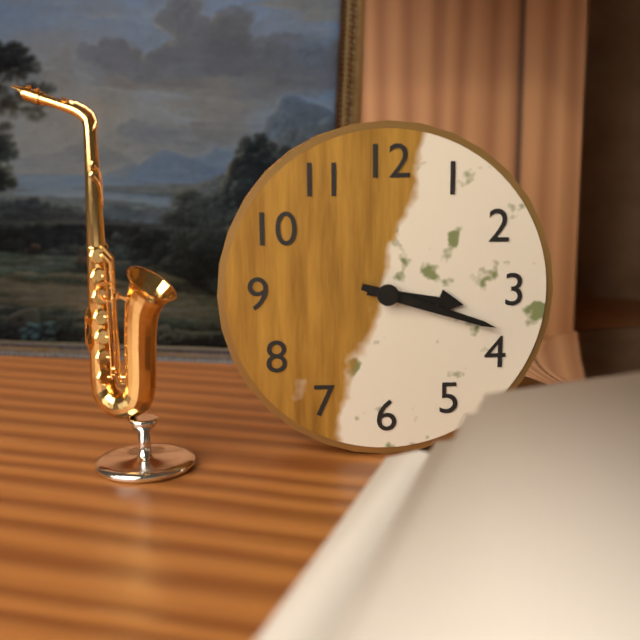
3:18
